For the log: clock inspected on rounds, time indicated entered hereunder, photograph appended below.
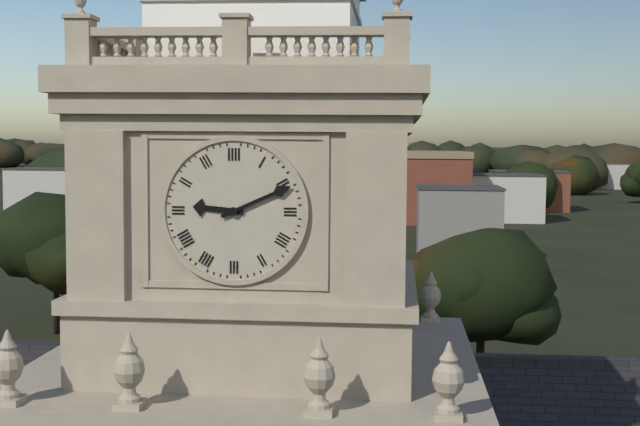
9:11
